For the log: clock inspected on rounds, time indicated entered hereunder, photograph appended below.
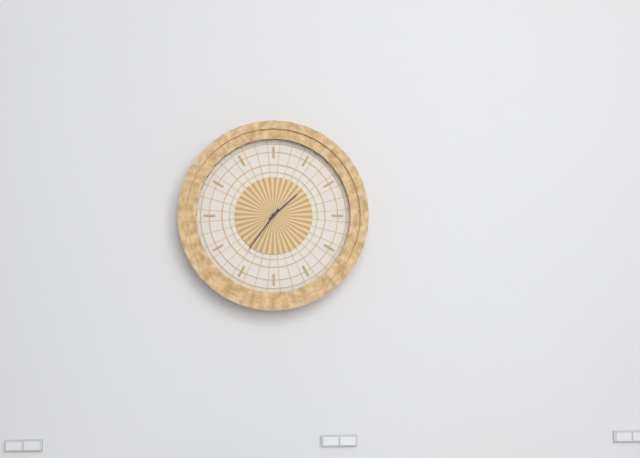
1:36
